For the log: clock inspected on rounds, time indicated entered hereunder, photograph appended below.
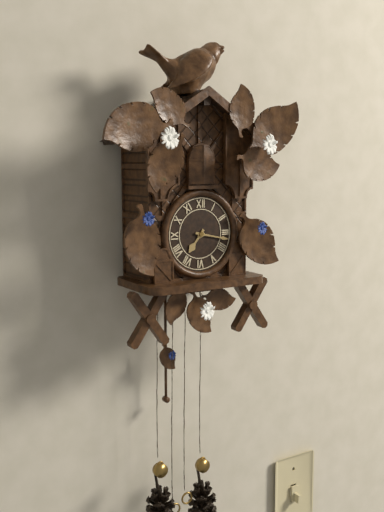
7:17
